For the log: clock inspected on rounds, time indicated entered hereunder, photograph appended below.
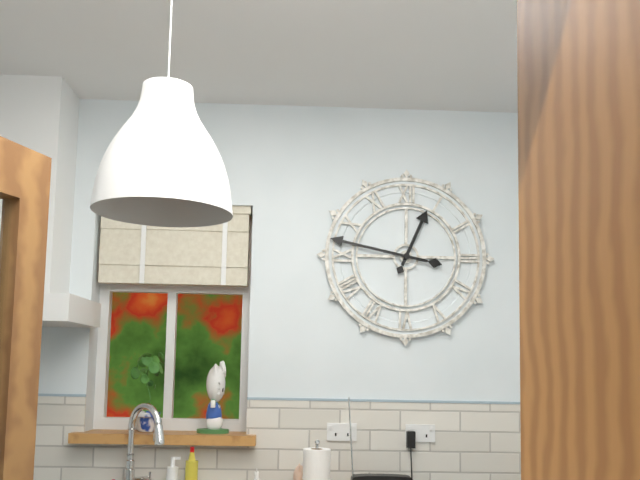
12:47
